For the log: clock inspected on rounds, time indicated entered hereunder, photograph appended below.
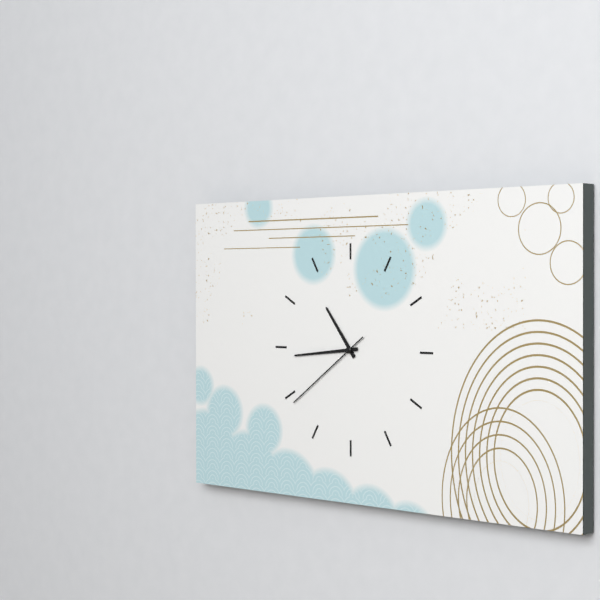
10:44:39
